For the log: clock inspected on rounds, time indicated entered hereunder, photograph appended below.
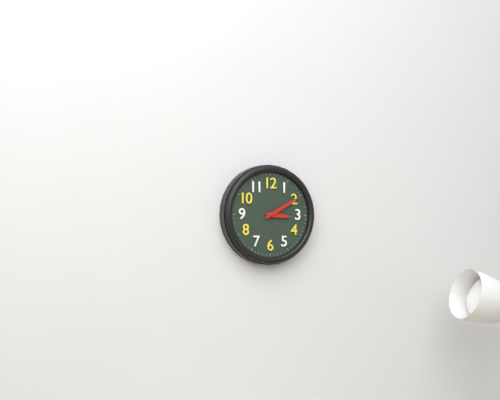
3:10
